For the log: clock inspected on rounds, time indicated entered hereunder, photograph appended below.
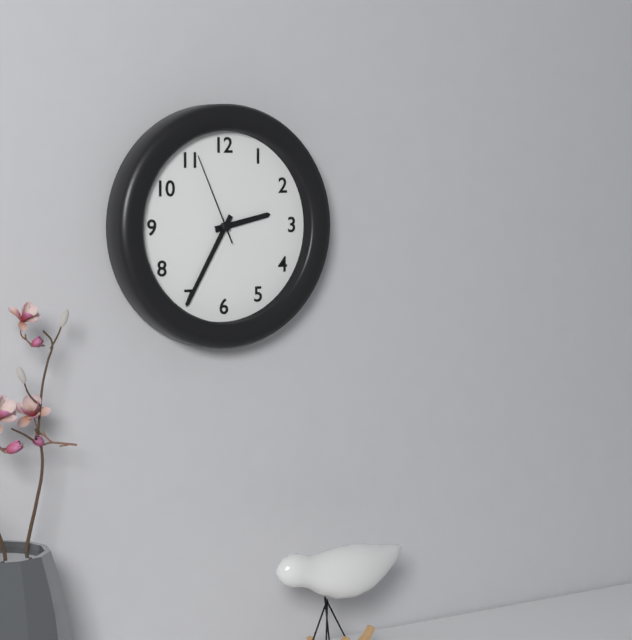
2:35:56
